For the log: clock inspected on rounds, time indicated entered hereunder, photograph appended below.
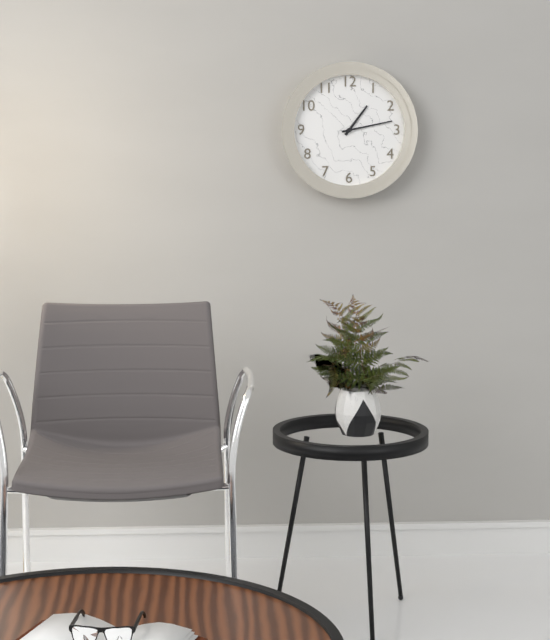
1:13
